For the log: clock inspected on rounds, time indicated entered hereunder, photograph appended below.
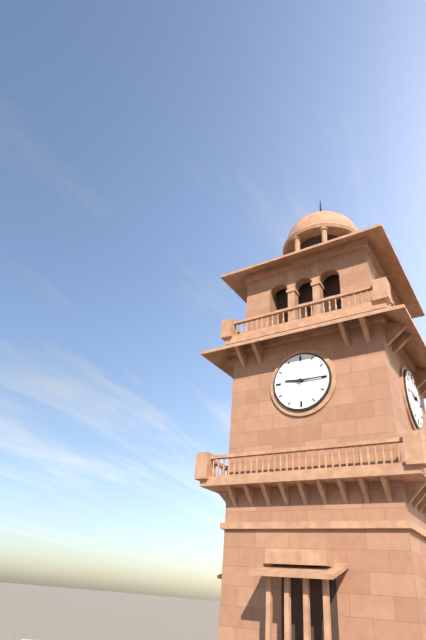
9:15
